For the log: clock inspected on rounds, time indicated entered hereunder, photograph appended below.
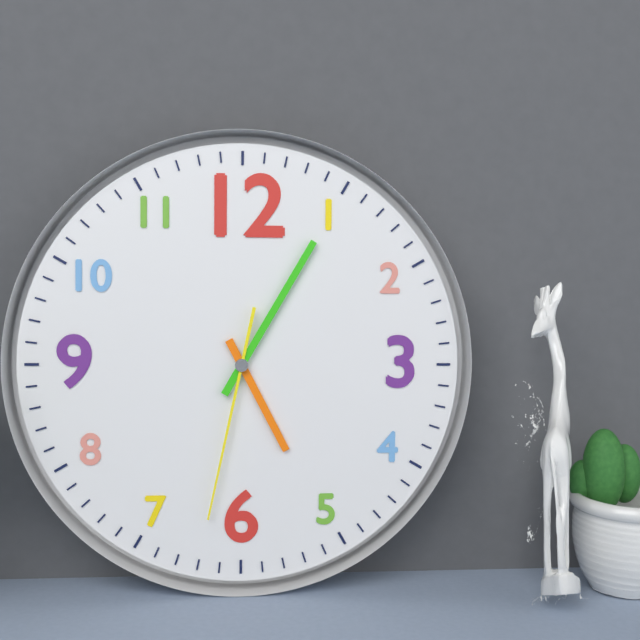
5:05:32
